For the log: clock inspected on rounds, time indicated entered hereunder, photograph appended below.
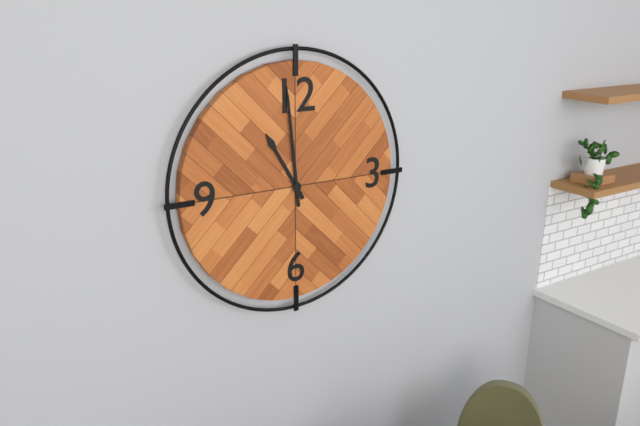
10:59
